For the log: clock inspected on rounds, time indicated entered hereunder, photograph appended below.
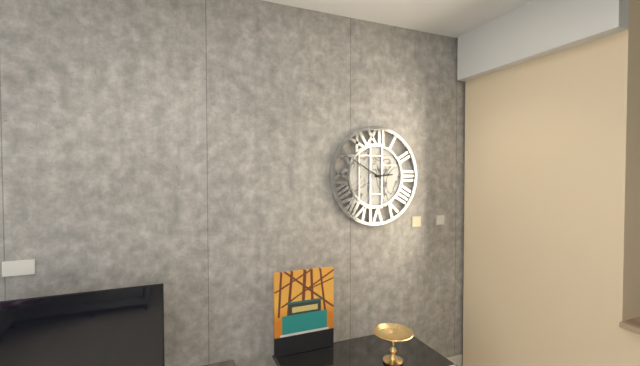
2:50
